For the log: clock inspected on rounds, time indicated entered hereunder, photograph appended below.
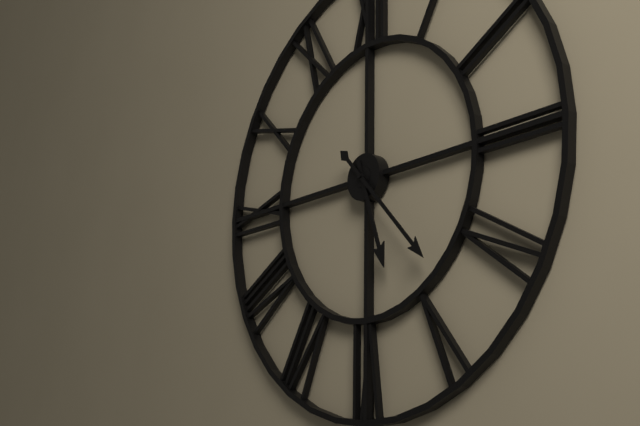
5:23
